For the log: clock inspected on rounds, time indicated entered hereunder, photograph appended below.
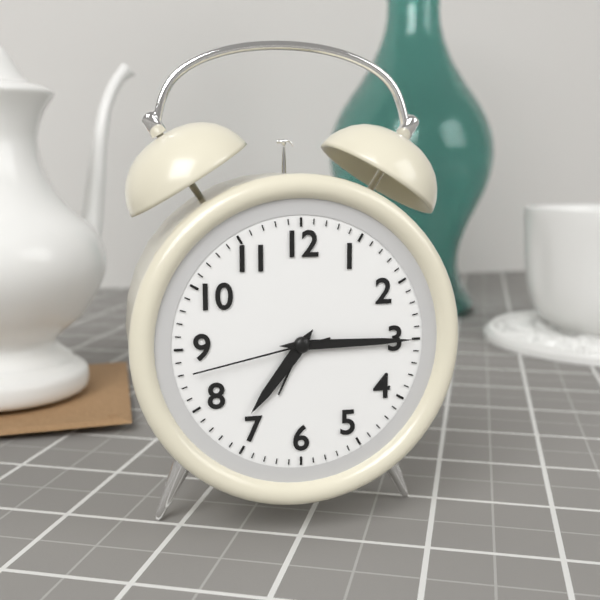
7:15:43
